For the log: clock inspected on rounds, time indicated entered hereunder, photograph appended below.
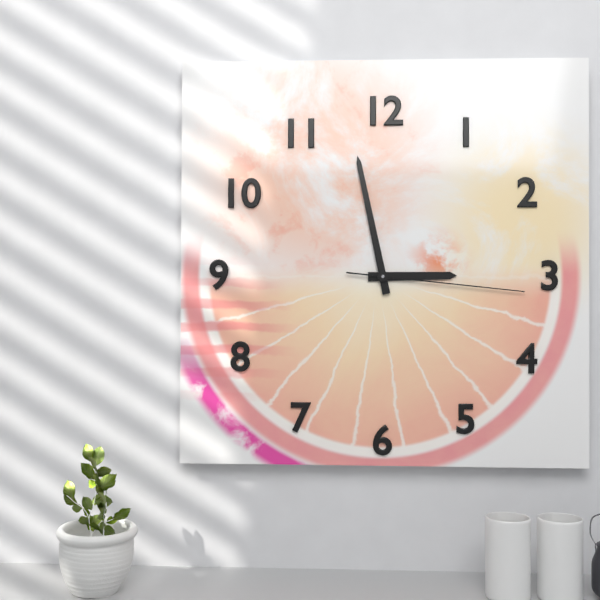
2:58:16
